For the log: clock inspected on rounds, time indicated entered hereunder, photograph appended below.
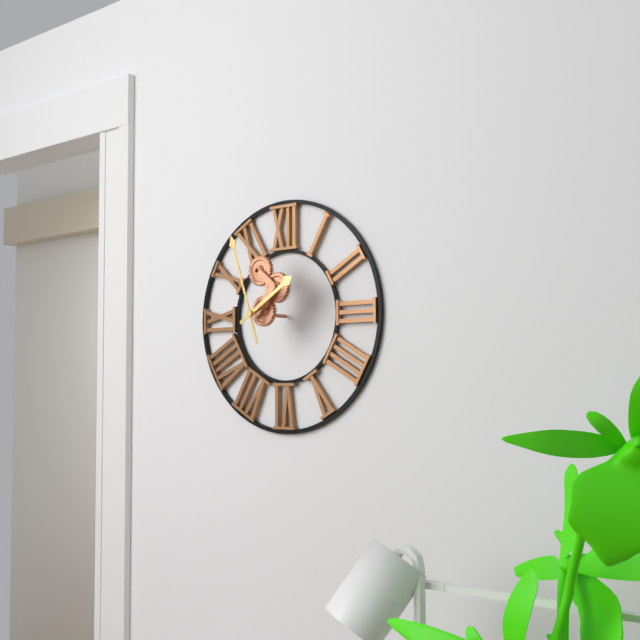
1:57
